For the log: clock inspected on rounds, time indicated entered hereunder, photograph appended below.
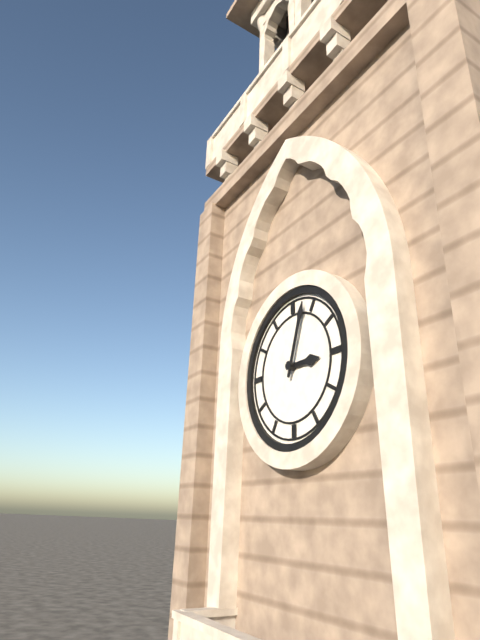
3:03
